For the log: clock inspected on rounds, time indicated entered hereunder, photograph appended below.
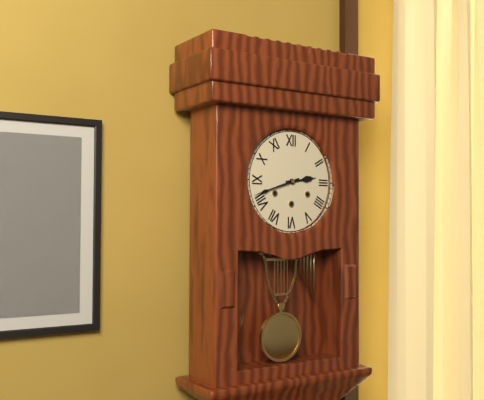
2:42
